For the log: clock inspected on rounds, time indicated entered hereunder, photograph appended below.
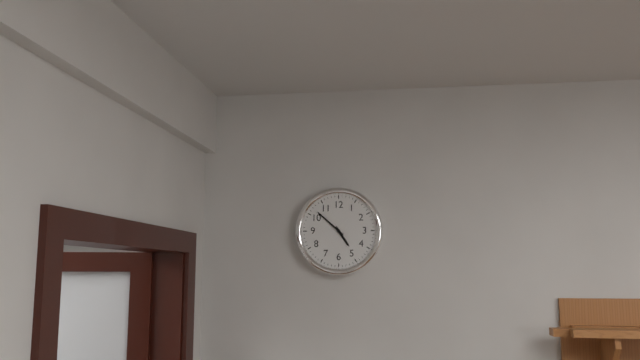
4:52
